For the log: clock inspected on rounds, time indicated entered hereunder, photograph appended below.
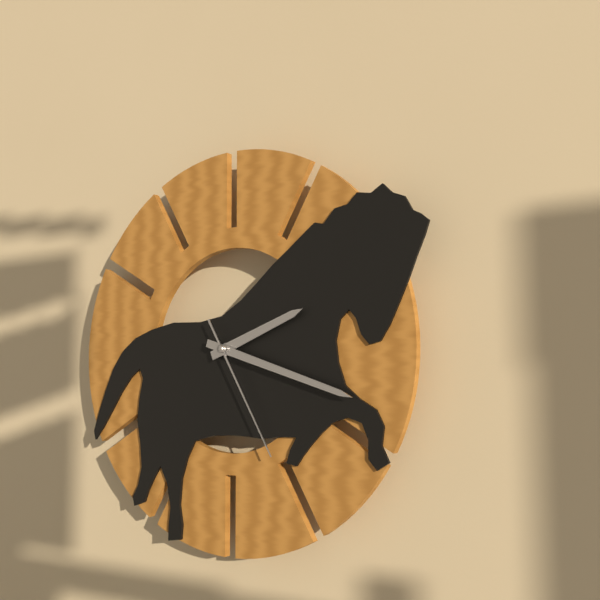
2:18:25
